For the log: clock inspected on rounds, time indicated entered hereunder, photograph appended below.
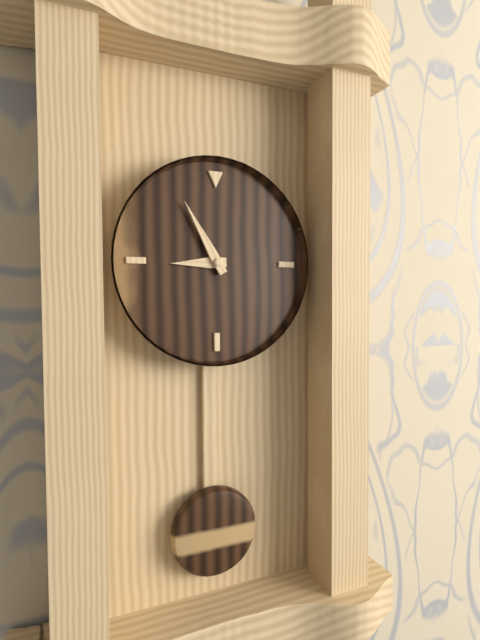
8:55
